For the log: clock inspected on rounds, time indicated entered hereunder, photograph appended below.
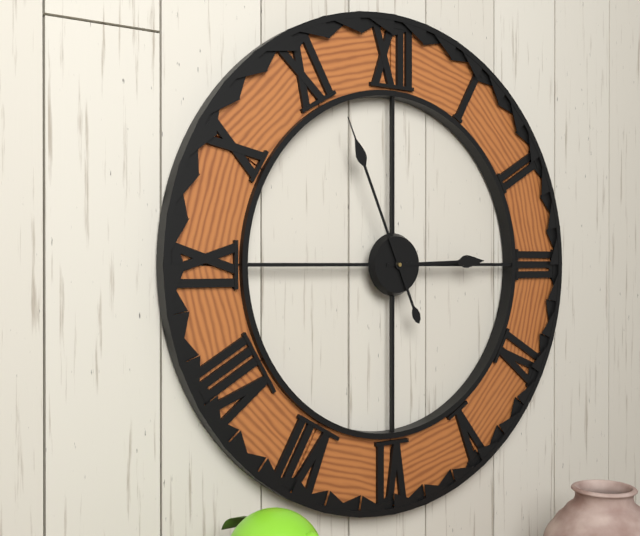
2:56
